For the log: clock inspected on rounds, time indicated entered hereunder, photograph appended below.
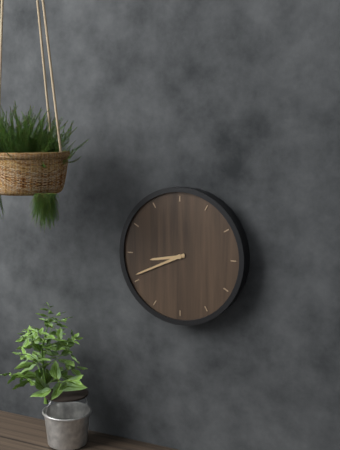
8:41
